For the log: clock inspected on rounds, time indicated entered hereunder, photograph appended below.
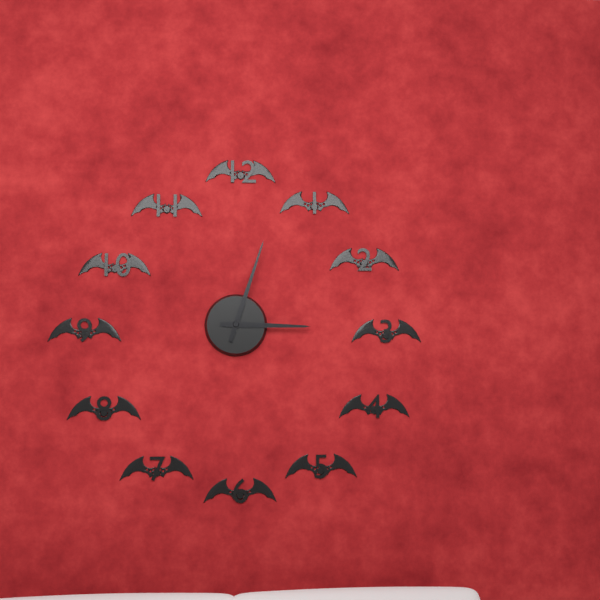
3:03
